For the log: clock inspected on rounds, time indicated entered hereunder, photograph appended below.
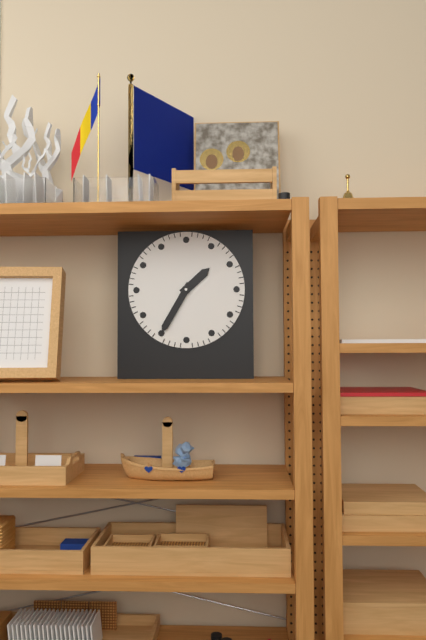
1:35
